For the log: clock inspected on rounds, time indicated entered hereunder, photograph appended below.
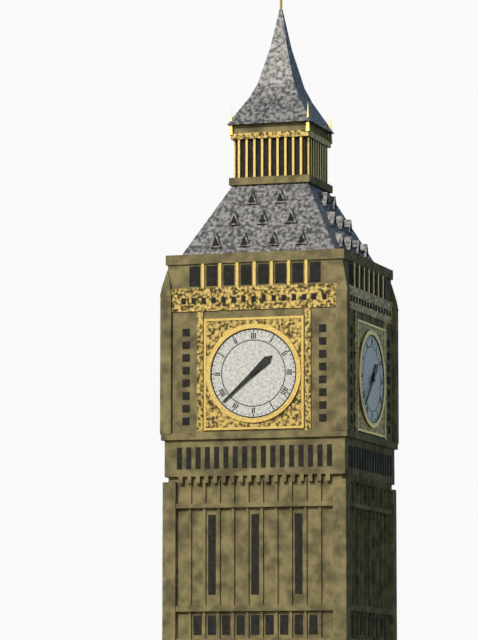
1:38
